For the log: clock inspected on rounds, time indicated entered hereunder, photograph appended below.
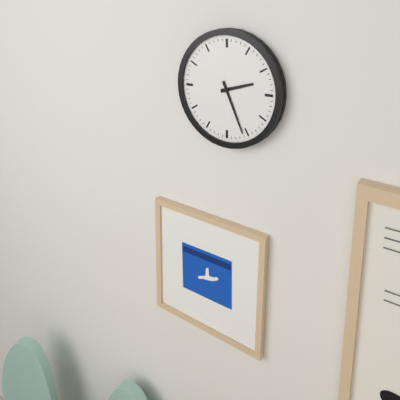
2:26
